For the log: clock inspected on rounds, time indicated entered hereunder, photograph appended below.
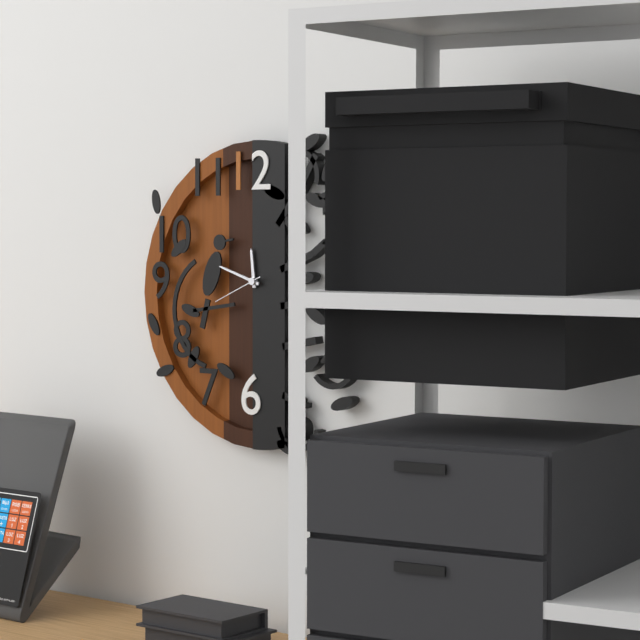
11:48:41
